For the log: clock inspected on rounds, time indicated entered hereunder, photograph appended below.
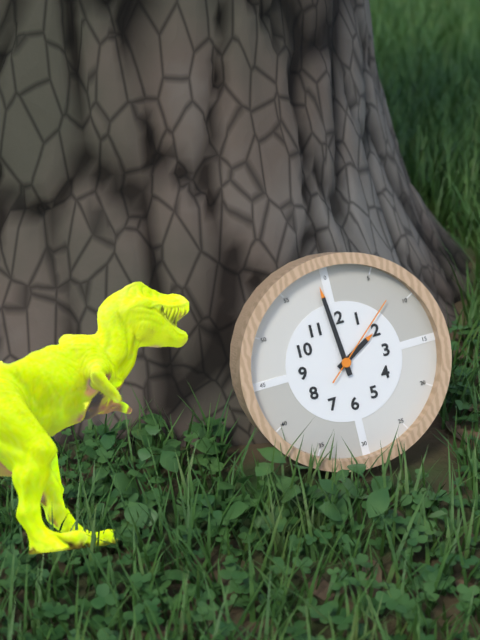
1:59:08
